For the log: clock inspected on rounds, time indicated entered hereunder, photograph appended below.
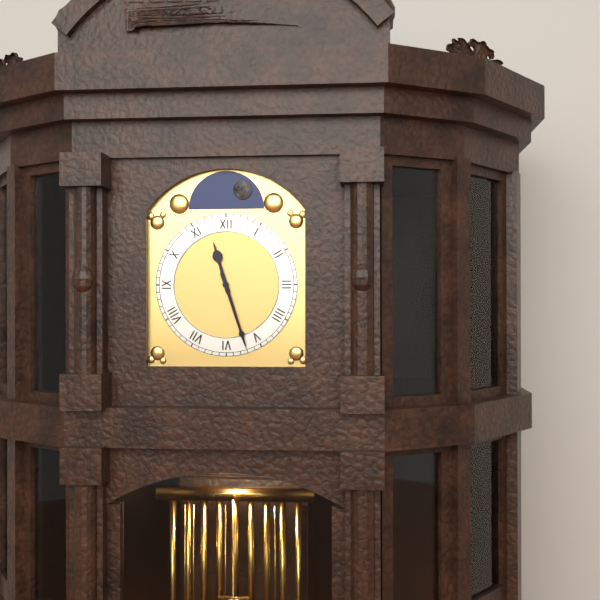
11:27
